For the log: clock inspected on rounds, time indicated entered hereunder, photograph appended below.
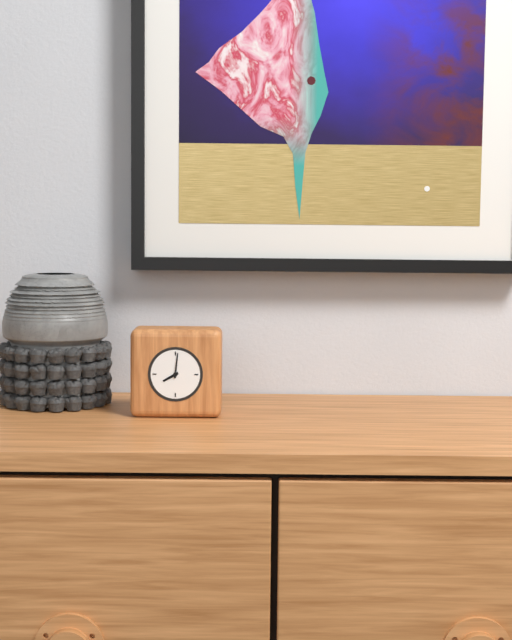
8:01
